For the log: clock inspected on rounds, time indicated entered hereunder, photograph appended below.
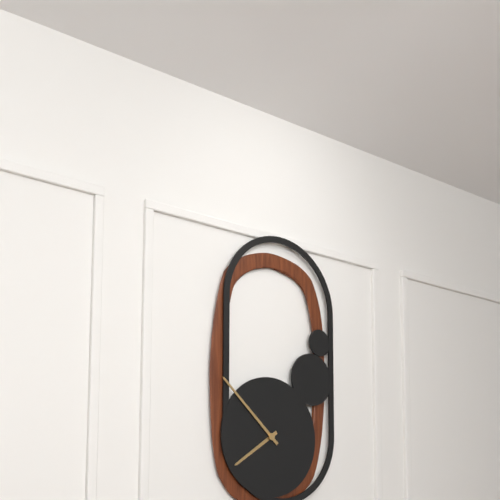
7:52
